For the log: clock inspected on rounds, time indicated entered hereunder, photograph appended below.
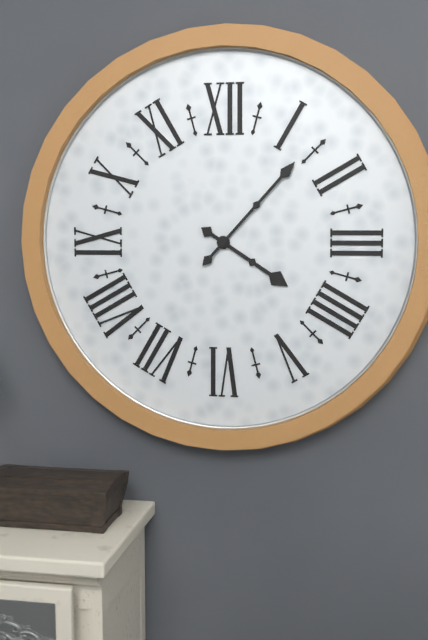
4:07
